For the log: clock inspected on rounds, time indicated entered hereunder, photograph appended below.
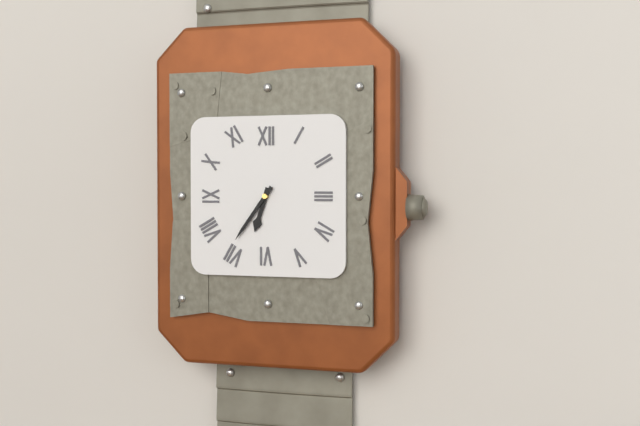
6:36
